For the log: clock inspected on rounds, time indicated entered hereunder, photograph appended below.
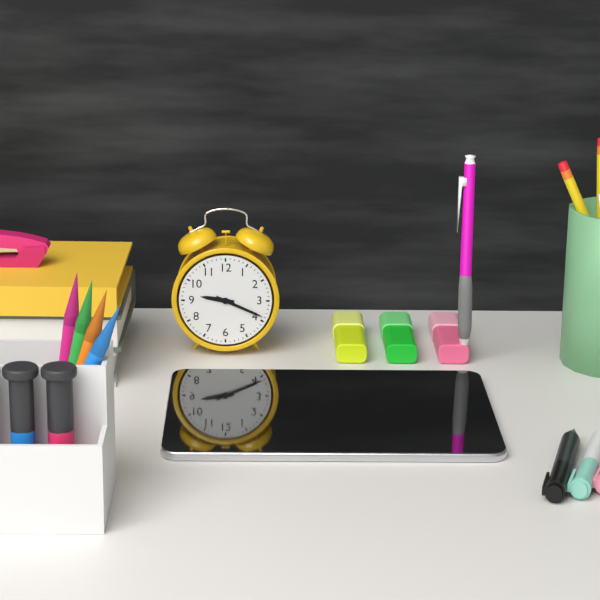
9:19
